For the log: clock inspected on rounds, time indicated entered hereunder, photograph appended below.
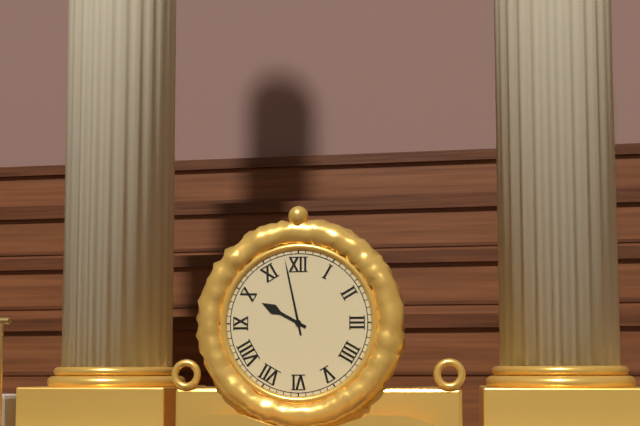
9:58
